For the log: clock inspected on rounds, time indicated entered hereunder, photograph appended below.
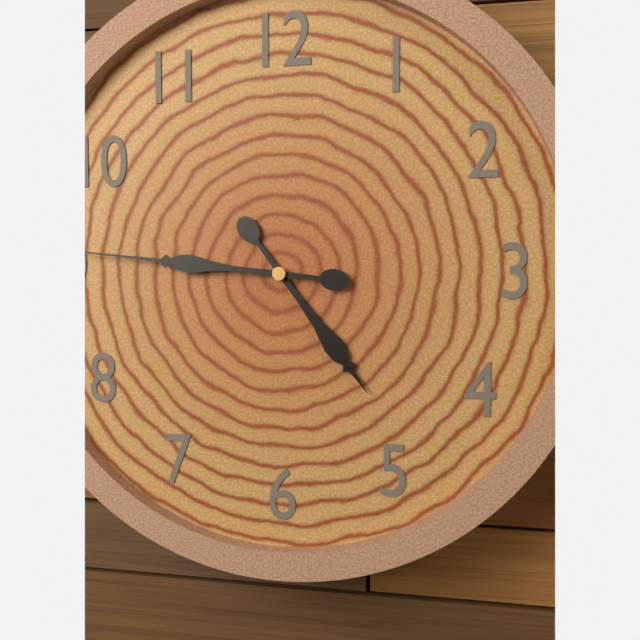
4:46
